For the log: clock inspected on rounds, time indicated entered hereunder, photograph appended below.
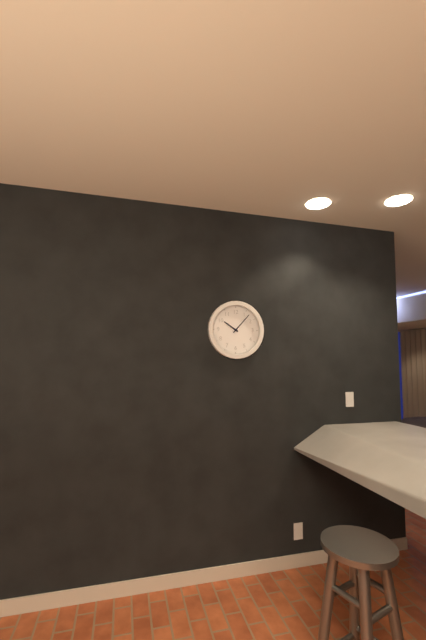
10:07
